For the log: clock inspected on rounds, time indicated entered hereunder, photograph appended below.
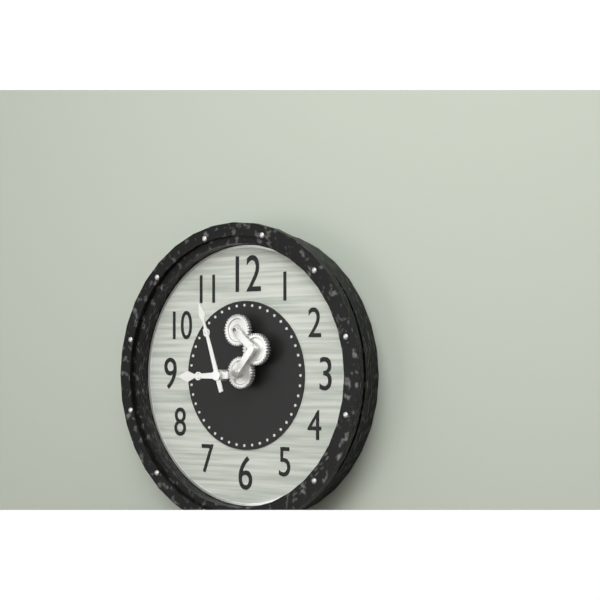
8:57
